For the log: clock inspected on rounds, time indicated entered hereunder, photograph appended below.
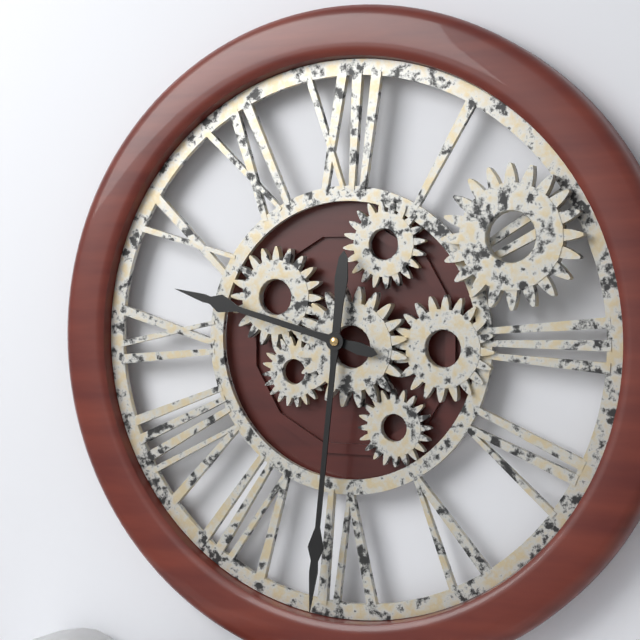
9:31
